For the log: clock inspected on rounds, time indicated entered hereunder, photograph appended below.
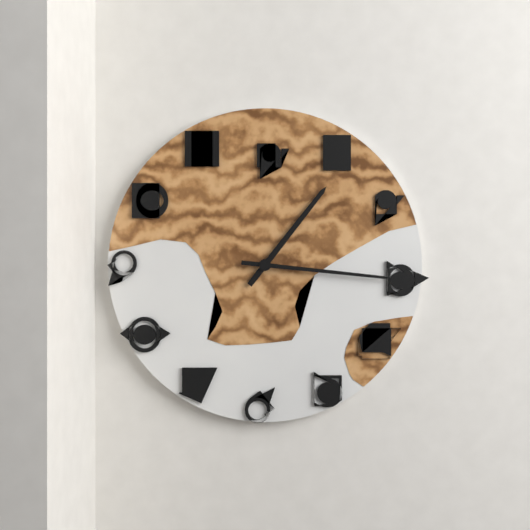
1:16
